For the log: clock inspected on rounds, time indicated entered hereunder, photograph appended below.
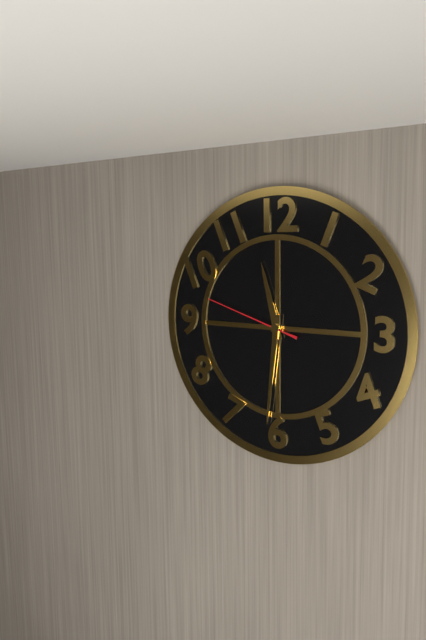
11:31:48
